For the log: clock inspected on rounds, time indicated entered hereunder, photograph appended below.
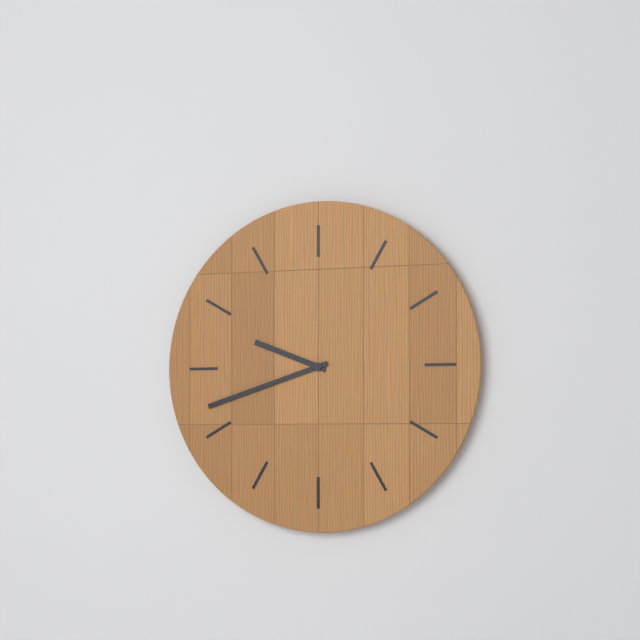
9:42
